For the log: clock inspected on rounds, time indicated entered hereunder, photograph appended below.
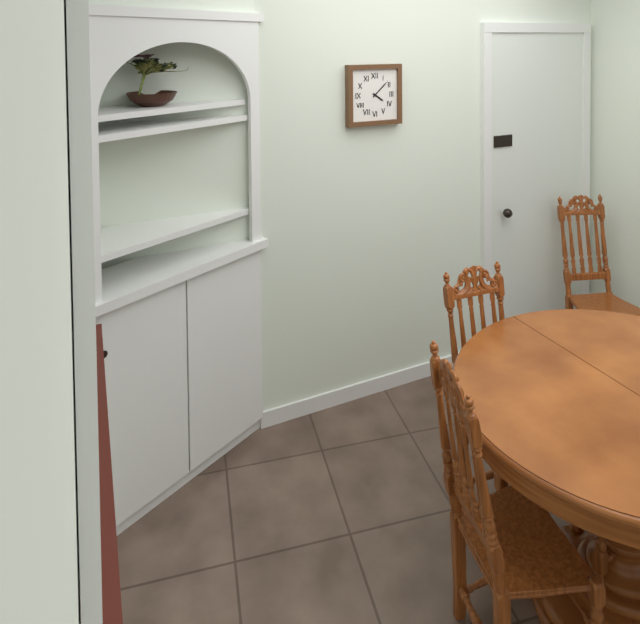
4:08
